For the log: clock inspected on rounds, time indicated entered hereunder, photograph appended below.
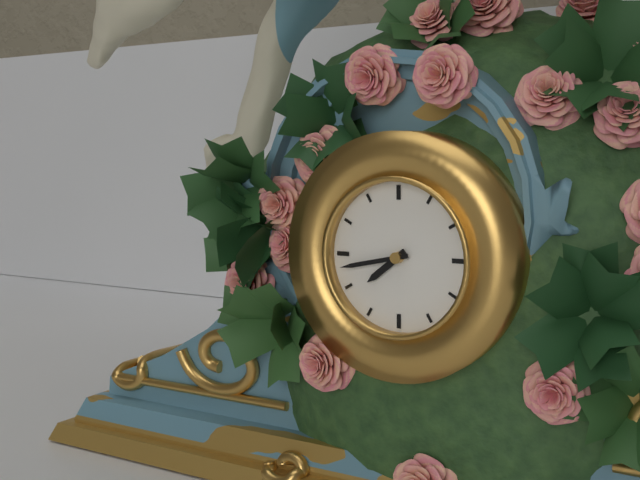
7:43
